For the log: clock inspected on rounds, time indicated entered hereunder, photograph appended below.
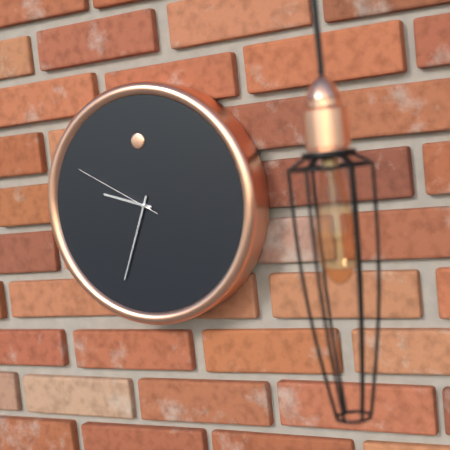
9:34:50
